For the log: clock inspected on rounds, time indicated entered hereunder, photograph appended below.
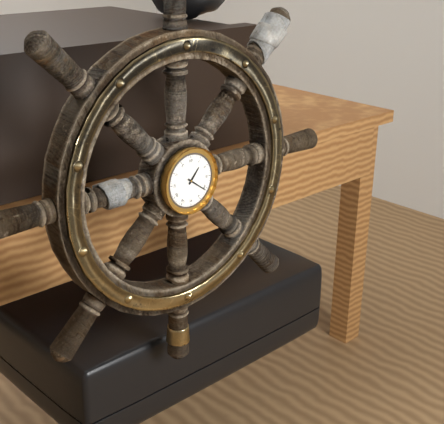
1:21
